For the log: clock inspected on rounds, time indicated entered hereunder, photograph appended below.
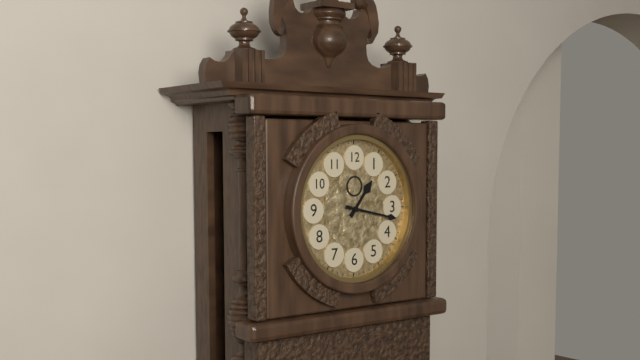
1:17
